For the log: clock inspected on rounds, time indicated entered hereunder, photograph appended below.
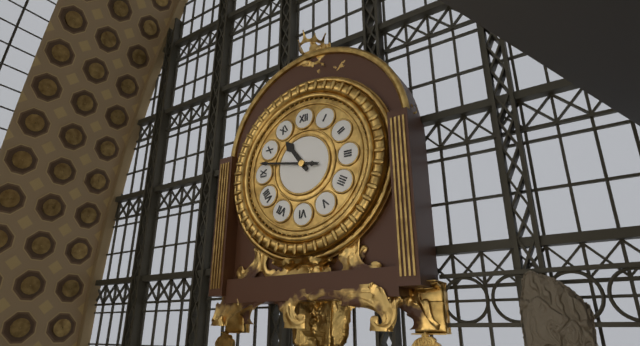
10:47
